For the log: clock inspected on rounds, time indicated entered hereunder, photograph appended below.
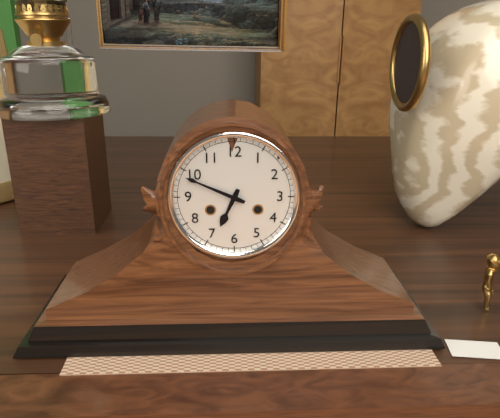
6:49
